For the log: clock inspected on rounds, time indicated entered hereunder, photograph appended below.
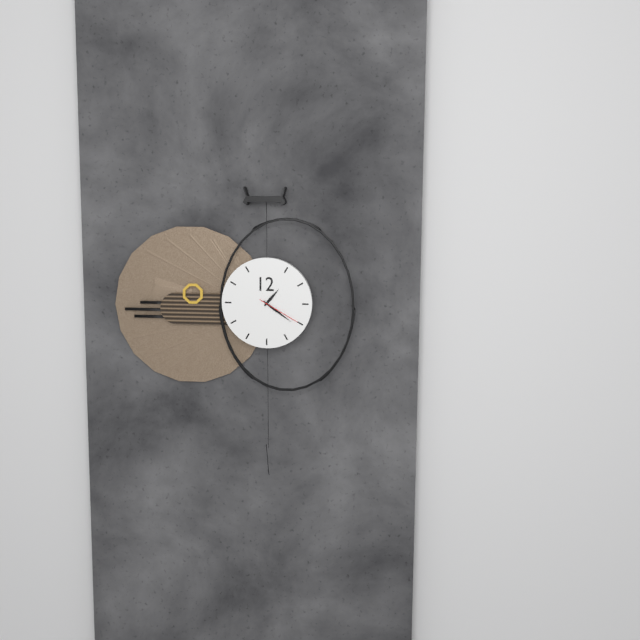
1:21
